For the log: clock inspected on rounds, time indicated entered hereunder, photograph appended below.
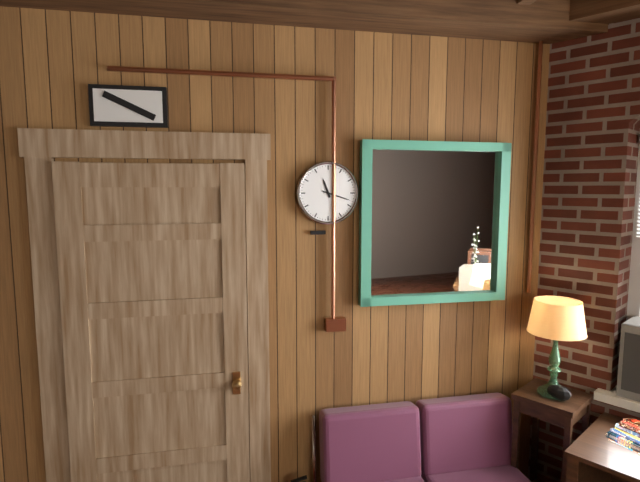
11:18
